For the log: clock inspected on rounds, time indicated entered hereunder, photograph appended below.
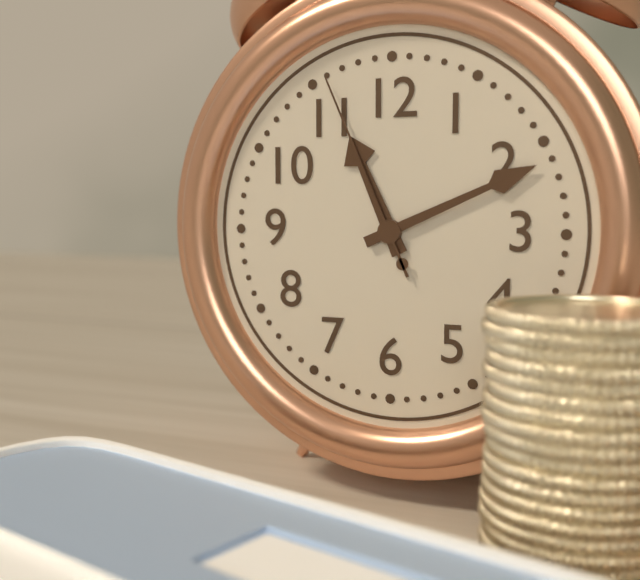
11:11:56
